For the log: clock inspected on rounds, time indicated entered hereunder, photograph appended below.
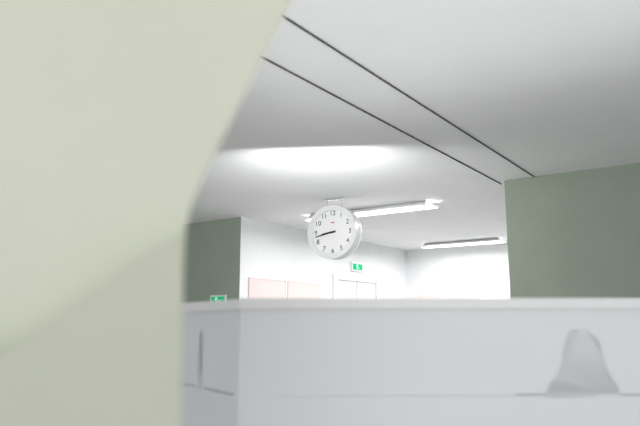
8:43
